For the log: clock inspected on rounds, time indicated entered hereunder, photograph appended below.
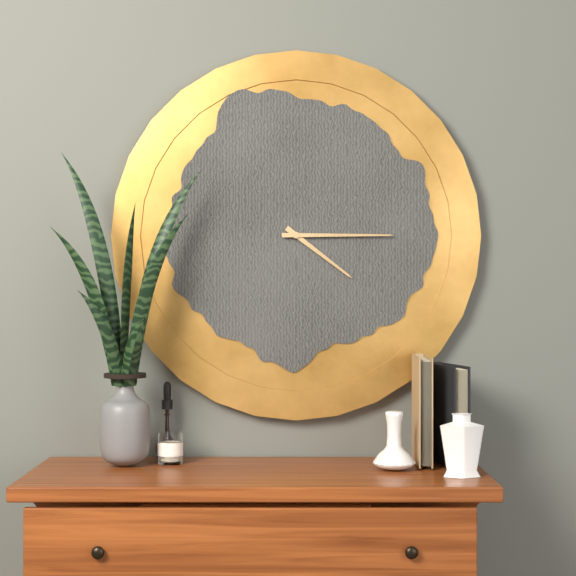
4:15
